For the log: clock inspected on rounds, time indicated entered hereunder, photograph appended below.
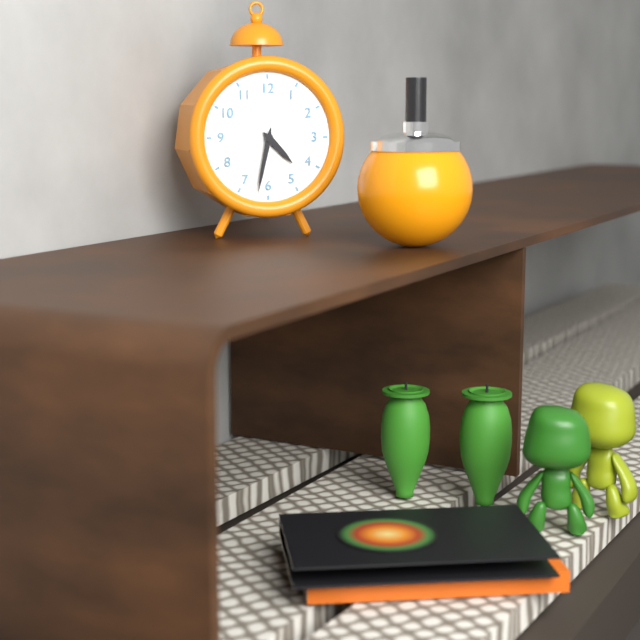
4:32
